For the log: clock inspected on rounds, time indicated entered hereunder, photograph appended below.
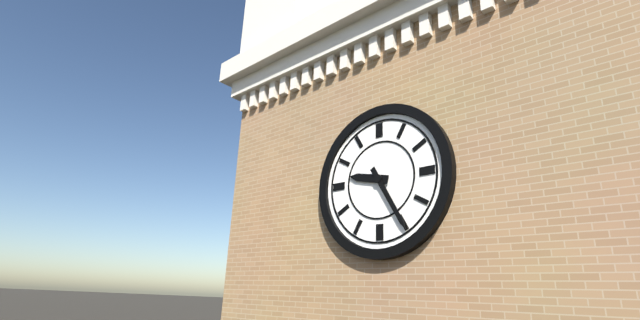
9:25
